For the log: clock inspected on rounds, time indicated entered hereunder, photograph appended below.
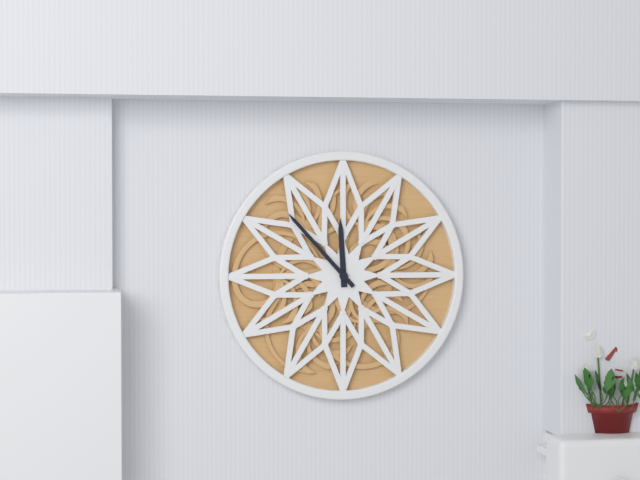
11:53
